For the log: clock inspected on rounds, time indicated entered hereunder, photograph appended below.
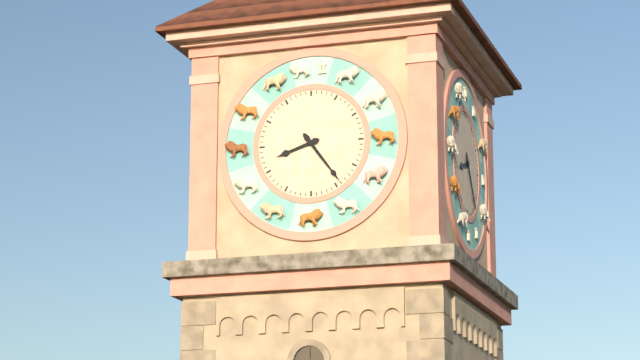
8:24
